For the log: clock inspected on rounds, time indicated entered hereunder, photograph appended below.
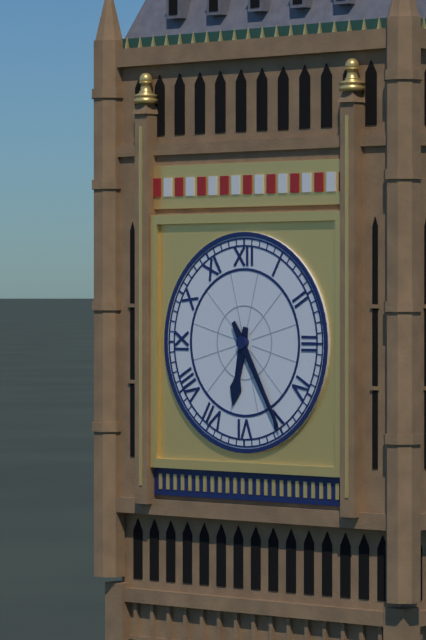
6:25
